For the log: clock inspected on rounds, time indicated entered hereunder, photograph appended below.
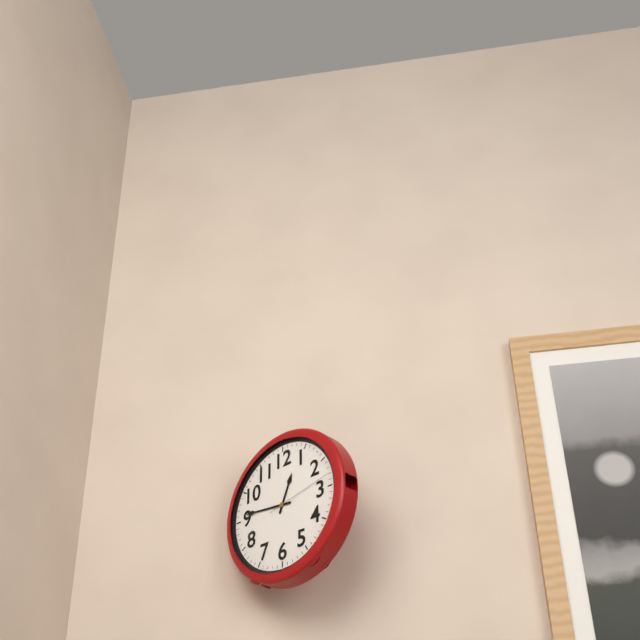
12:46:13
